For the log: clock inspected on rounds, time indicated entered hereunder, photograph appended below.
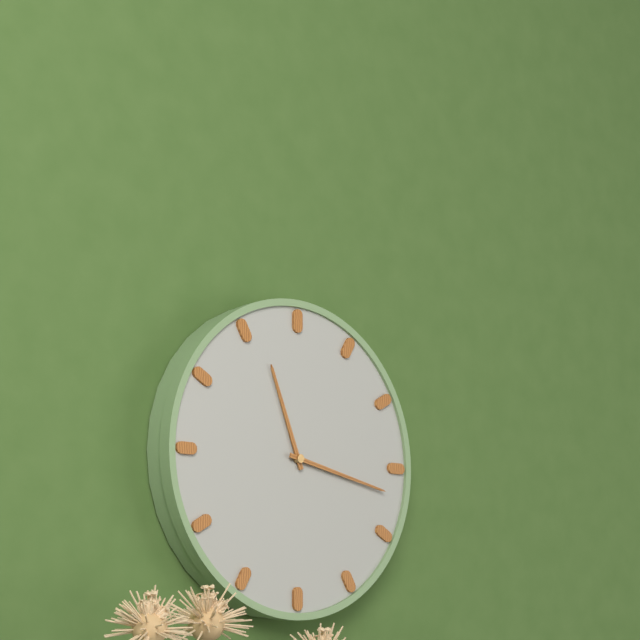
11:17
